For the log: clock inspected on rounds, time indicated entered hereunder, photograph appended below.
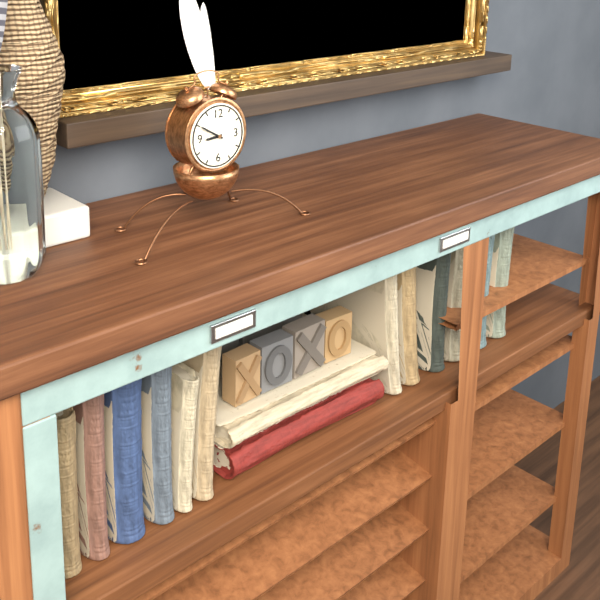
8:50
